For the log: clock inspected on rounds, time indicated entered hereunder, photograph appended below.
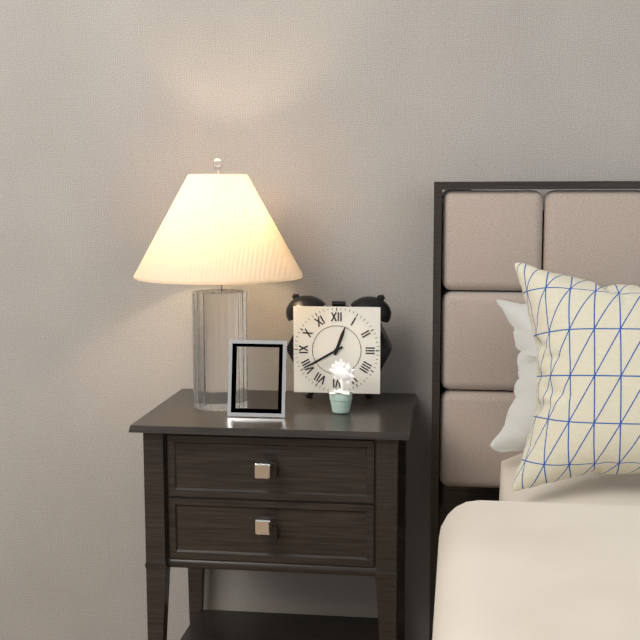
12:40
